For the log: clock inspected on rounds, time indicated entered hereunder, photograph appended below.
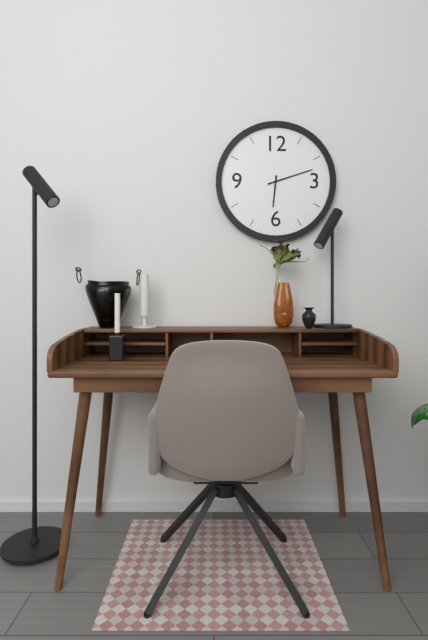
6:12
